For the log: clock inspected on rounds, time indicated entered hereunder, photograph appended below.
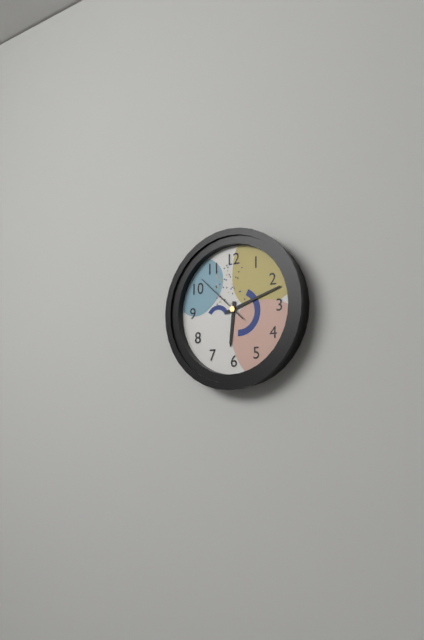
6:12:52
